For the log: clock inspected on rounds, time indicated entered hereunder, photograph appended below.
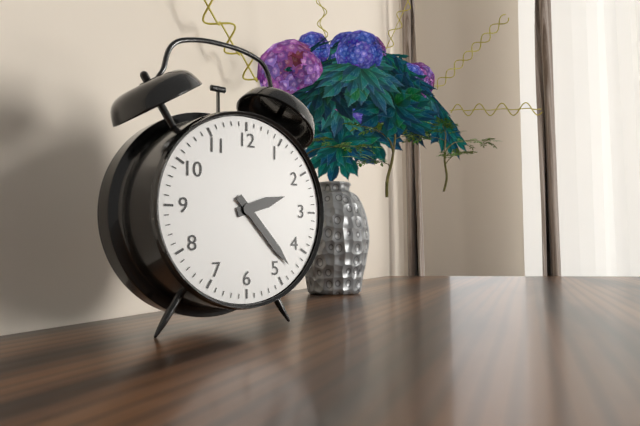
2:23
